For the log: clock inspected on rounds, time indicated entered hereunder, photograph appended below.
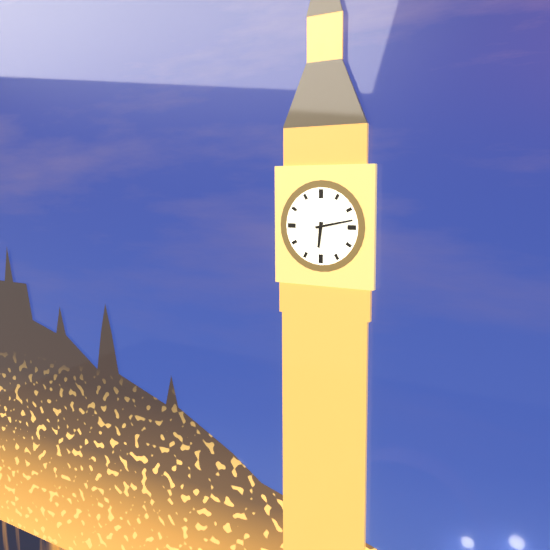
6:13
